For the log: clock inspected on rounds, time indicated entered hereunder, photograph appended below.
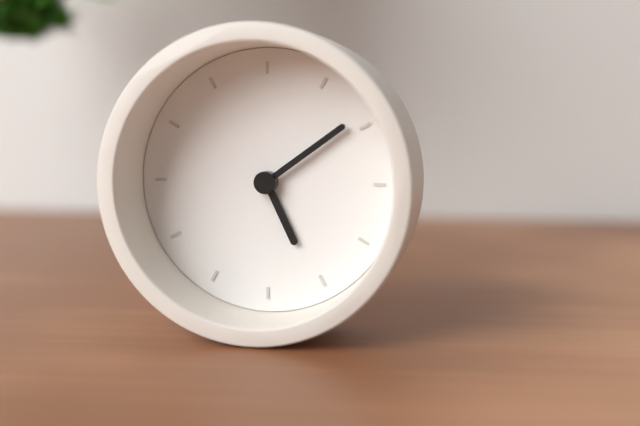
5:09
